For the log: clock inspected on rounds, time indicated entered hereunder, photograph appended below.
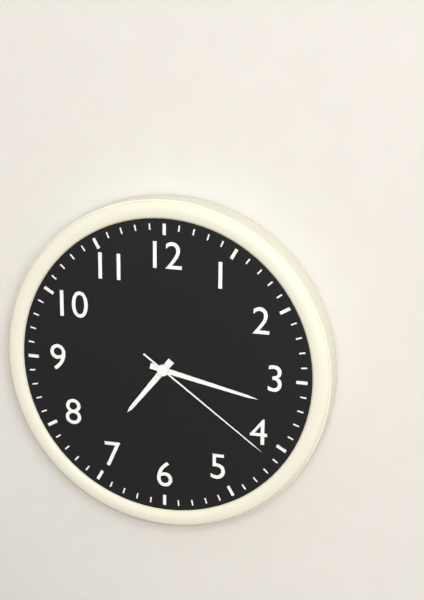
7:17:21
